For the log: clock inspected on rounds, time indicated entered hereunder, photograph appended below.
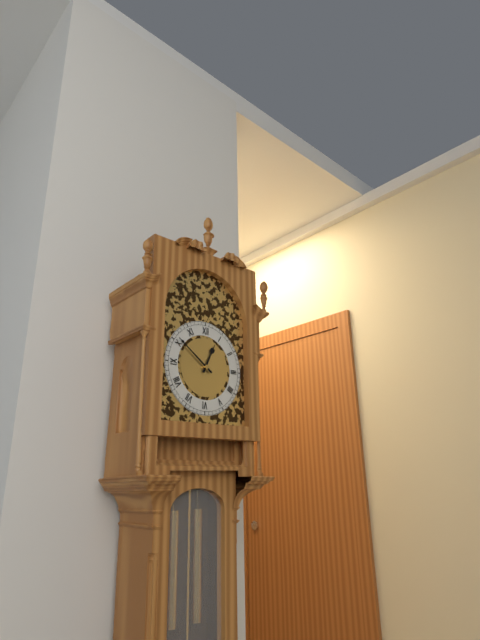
12:51
